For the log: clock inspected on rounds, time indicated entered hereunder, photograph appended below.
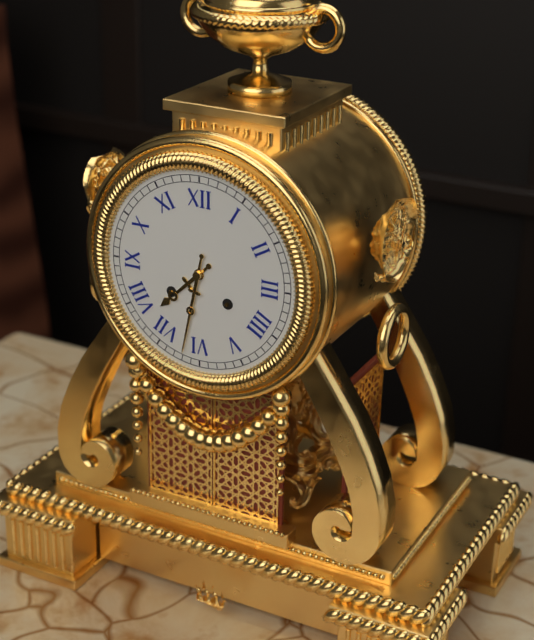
7:32
